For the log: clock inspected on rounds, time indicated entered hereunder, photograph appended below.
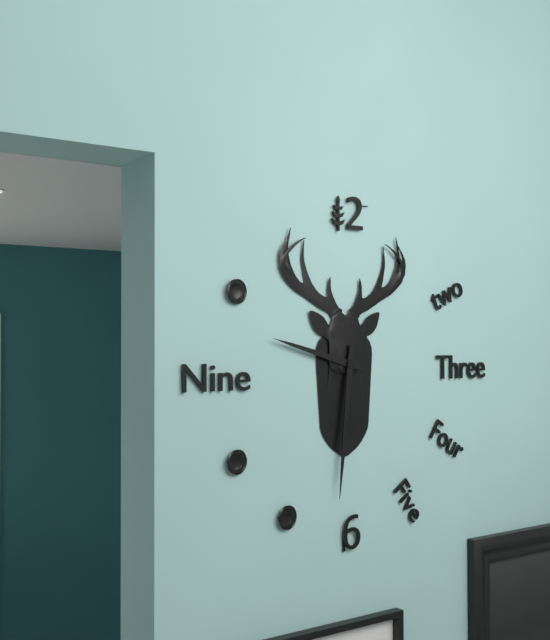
9:31
